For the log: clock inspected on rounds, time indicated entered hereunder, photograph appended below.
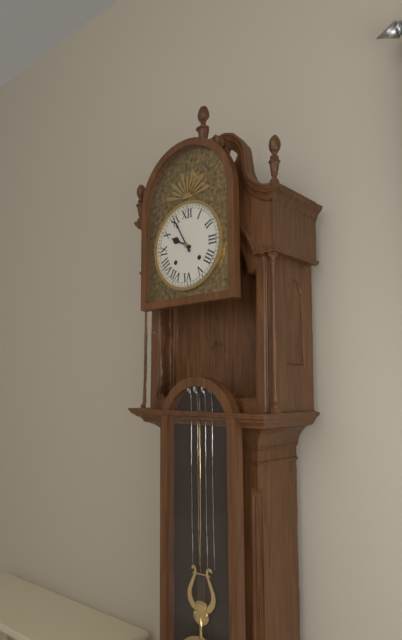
9:55
